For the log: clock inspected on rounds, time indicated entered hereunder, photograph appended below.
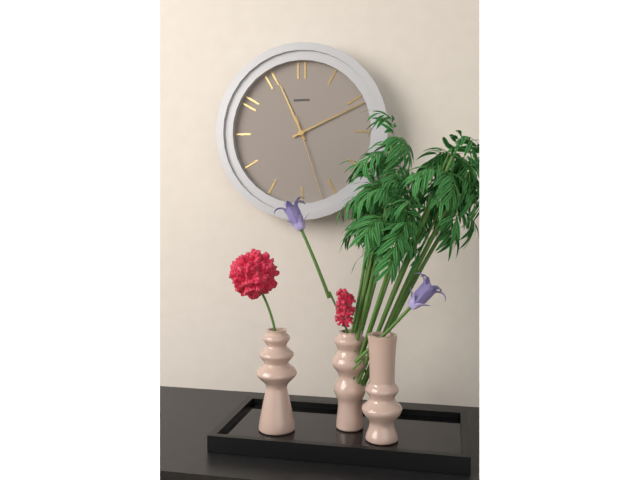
11:11:27
